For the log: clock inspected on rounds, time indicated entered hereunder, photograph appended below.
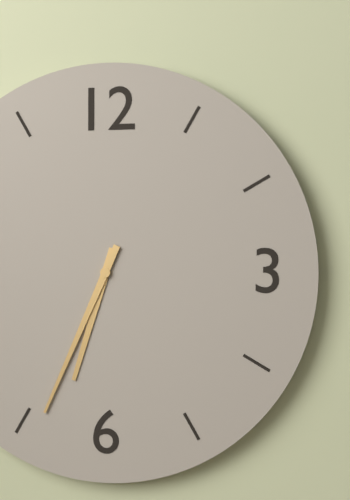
6:34
